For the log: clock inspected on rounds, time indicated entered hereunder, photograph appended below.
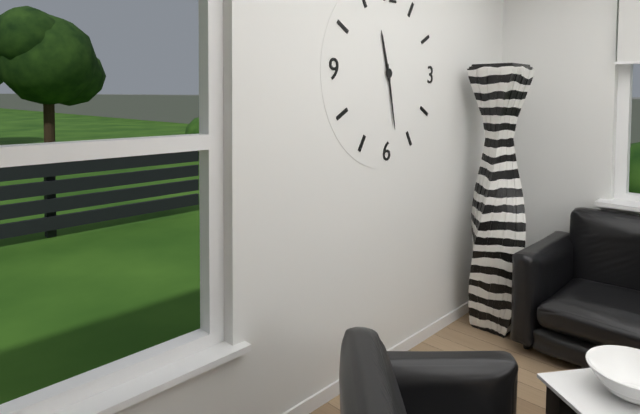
11:28
